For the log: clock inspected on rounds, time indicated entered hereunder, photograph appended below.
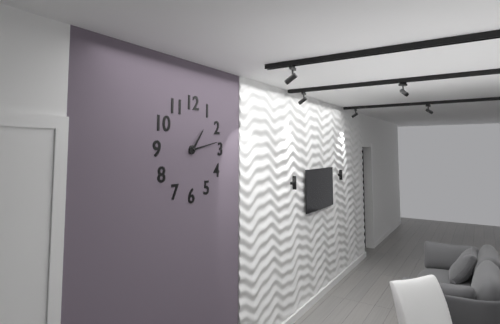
1:13
